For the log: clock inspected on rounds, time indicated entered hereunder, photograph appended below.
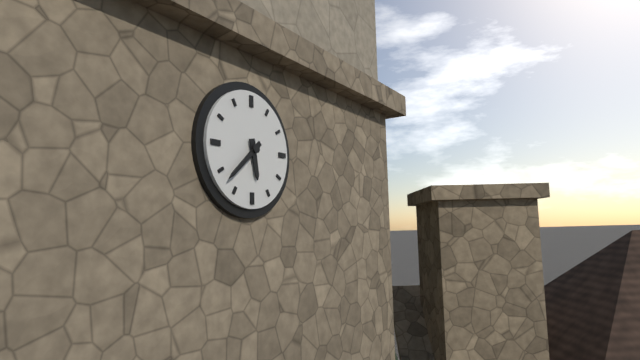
5:38
